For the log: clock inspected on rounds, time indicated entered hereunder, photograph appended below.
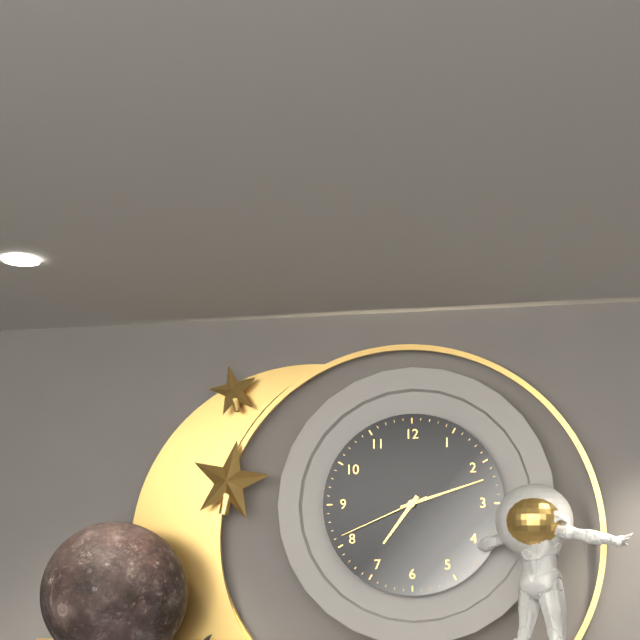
7:12:41
